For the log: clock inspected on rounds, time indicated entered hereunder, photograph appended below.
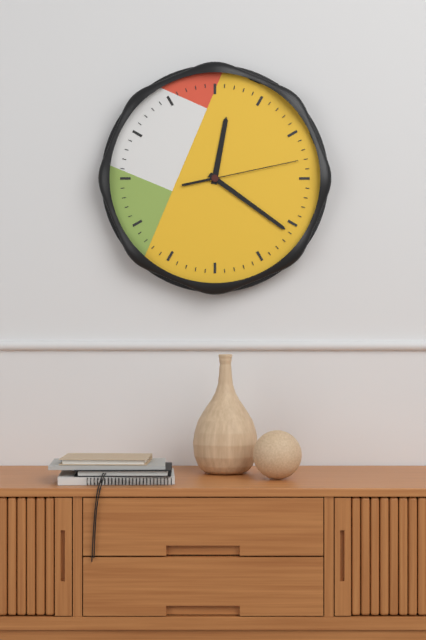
12:21:13
